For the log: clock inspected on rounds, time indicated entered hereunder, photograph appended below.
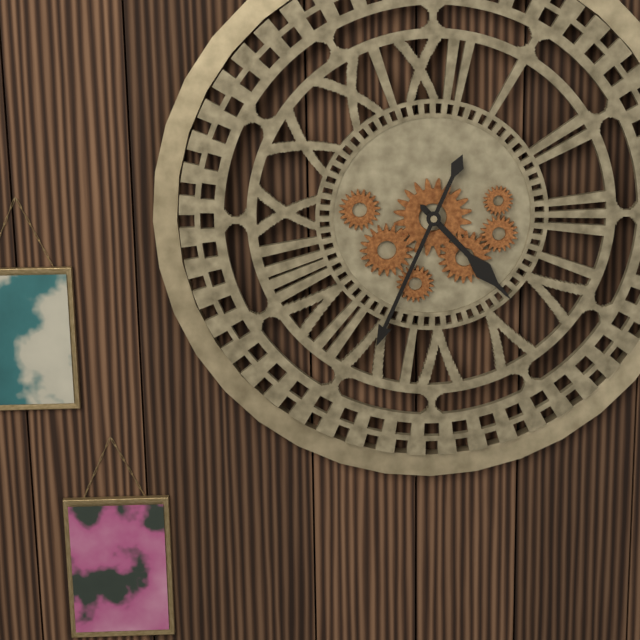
4:34
